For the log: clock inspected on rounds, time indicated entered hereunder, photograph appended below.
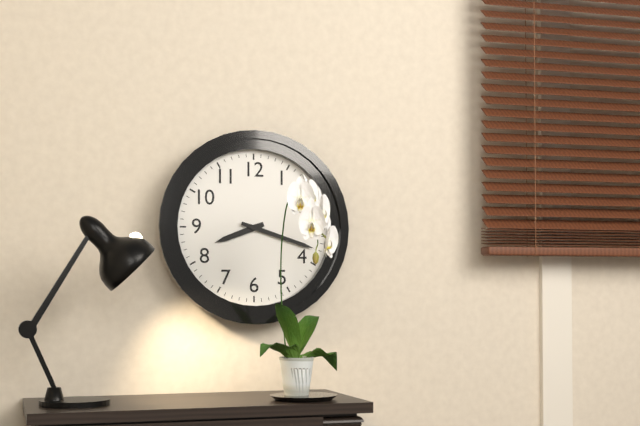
8:18
